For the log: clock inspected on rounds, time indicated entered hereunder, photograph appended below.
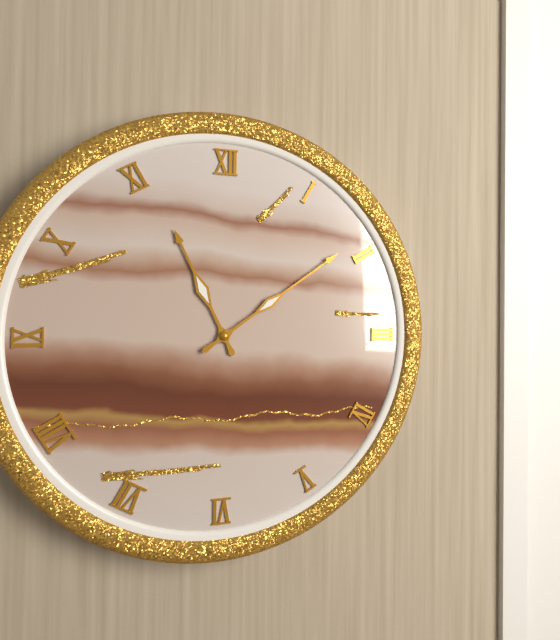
11:09
